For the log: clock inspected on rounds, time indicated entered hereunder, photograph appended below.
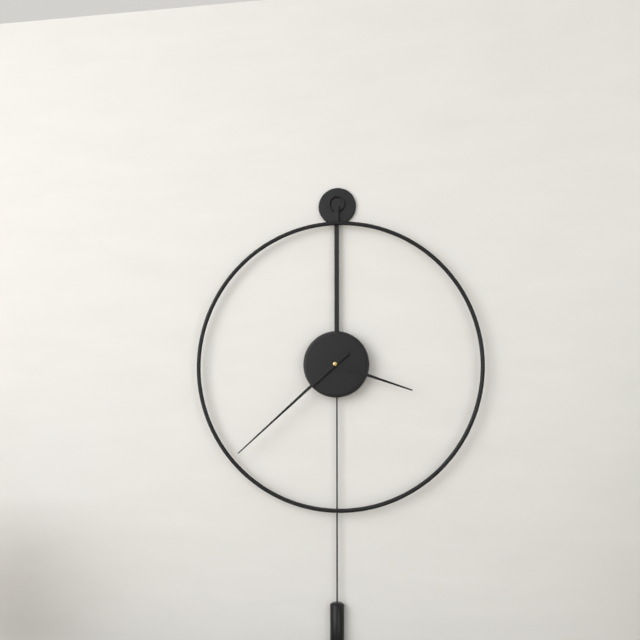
3:38
